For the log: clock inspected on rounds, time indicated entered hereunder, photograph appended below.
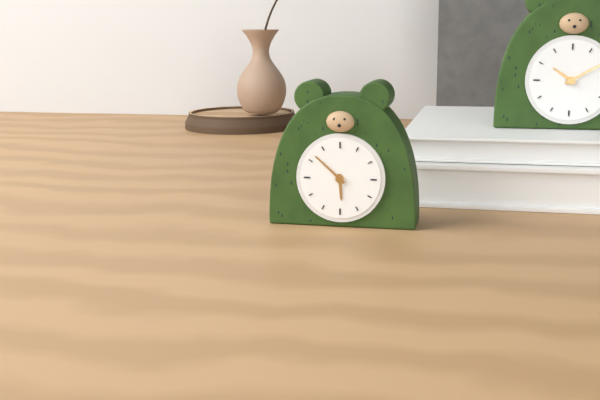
5:52
